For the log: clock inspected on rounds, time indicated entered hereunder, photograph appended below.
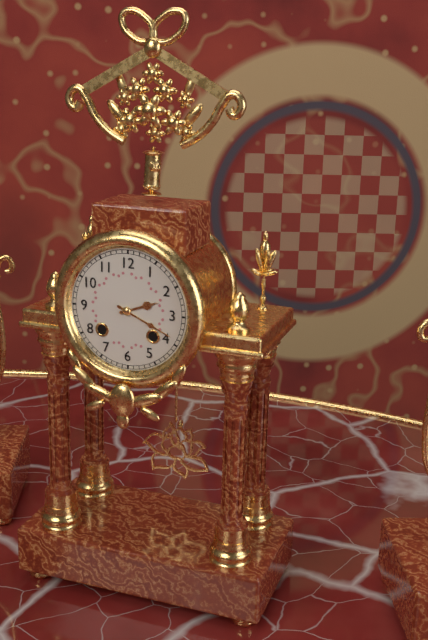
2:19
